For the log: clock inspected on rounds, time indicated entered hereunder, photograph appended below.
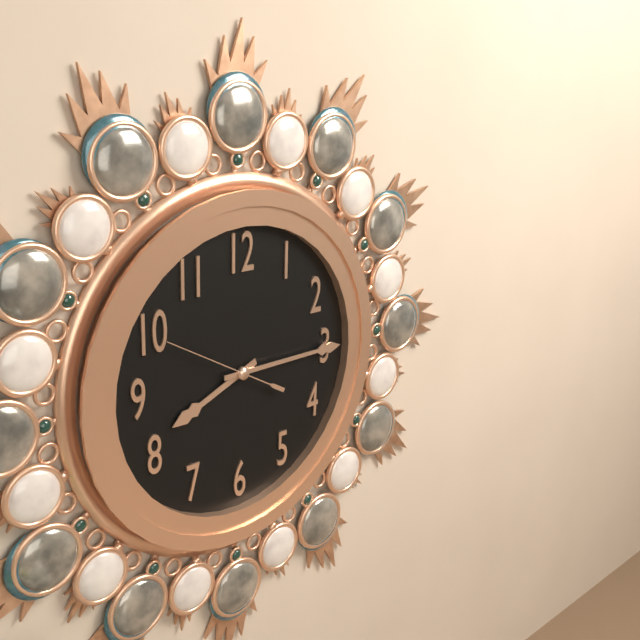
8:15:50
